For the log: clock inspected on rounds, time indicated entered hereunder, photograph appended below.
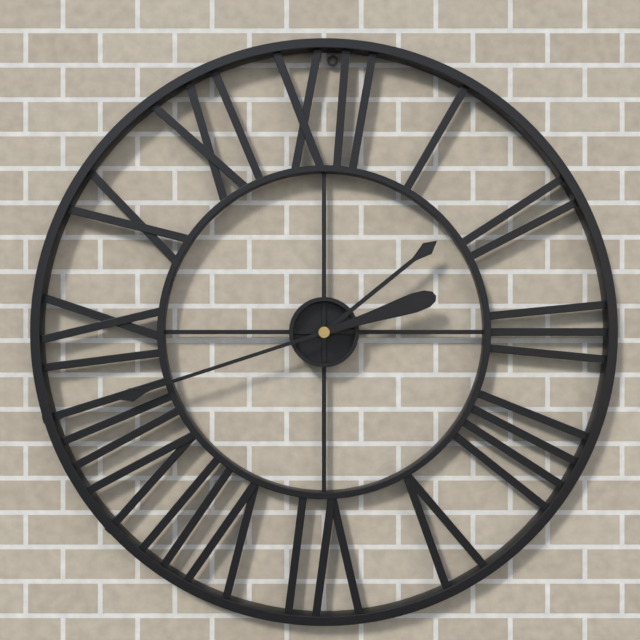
1:42
